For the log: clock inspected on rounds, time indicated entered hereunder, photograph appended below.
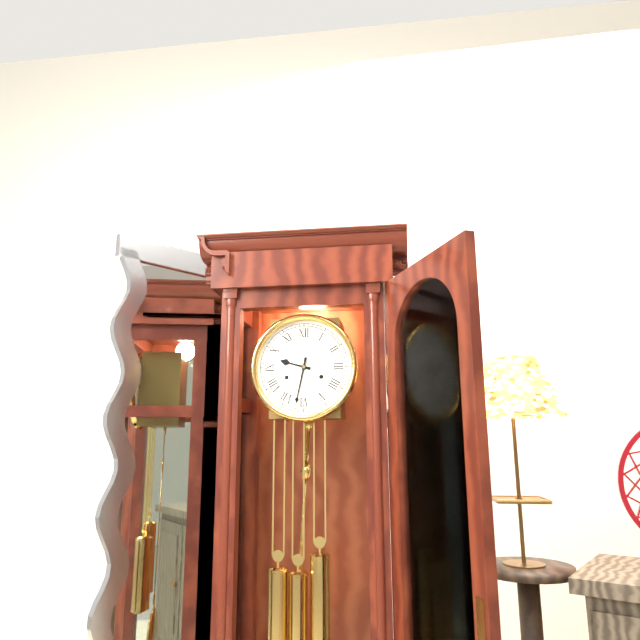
9:32
